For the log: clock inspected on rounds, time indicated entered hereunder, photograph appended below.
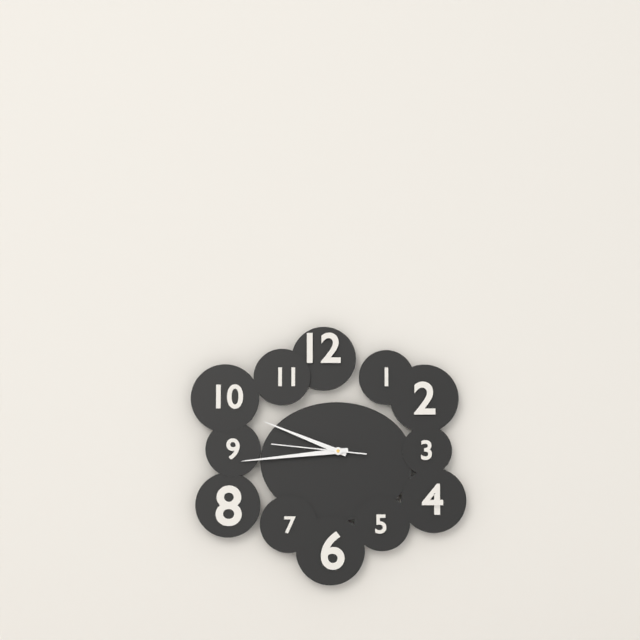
9:44:46
